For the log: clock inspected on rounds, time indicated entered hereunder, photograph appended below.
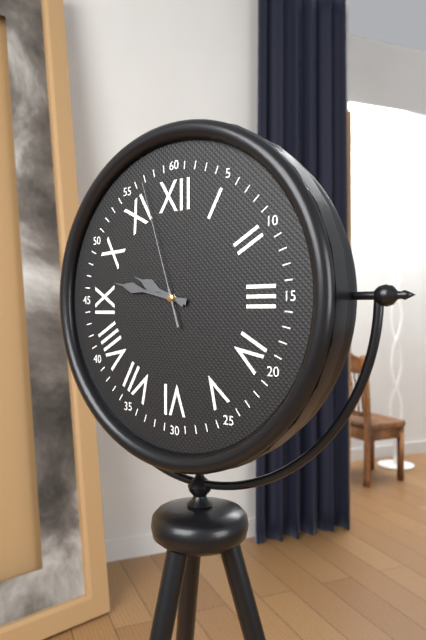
9:47:57
